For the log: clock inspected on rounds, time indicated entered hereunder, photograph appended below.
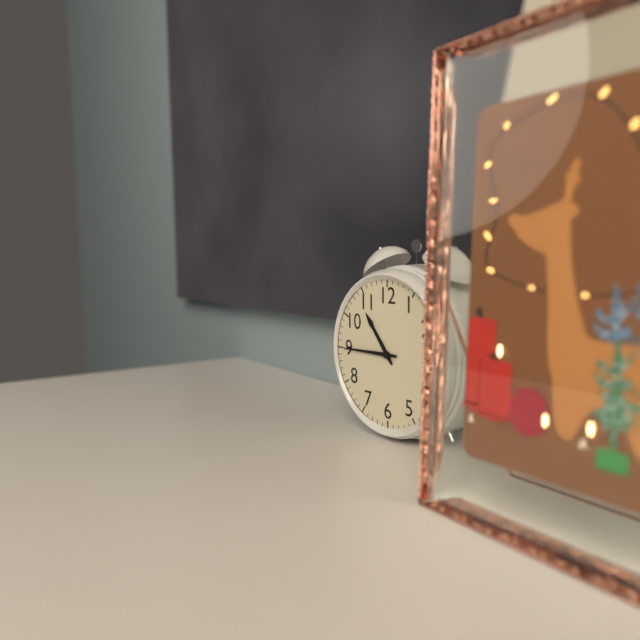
10:45
